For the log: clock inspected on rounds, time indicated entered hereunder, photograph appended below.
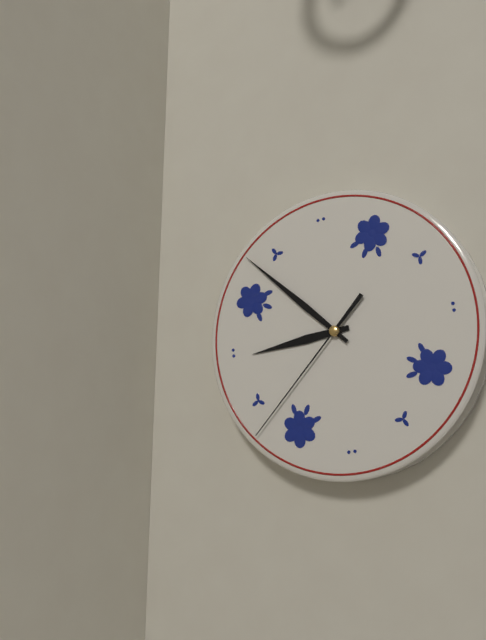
8:53:38
